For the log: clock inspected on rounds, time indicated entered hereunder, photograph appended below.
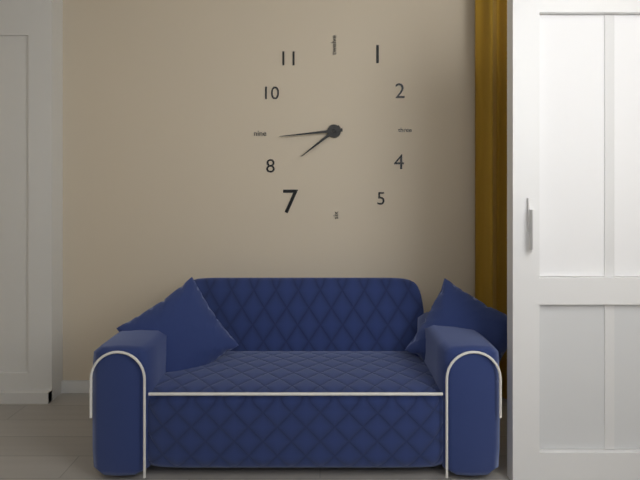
7:44
